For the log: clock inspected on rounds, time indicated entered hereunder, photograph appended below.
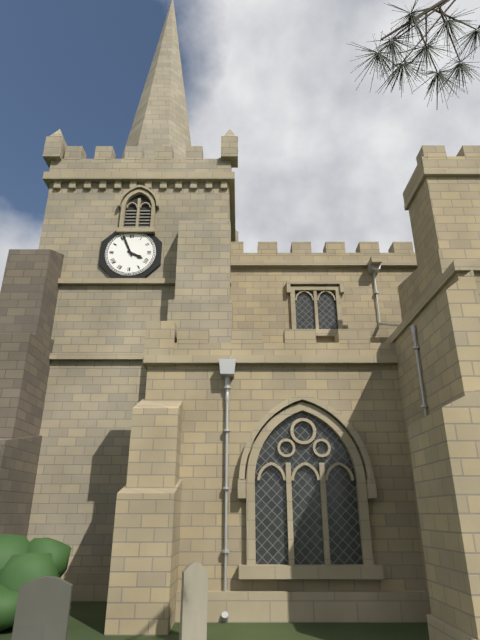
3:56
